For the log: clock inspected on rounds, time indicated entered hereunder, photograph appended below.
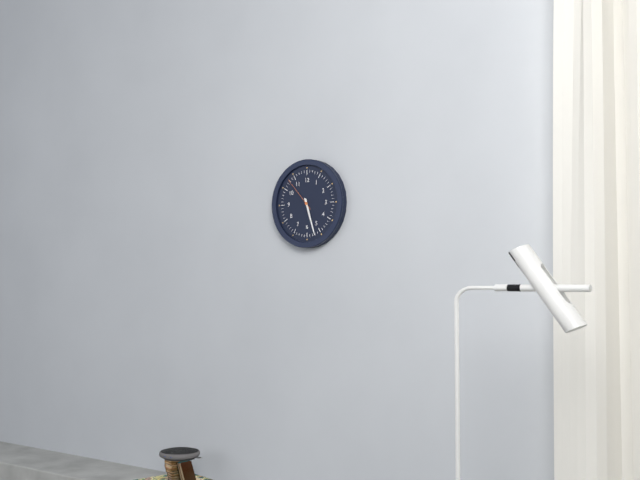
5:27
